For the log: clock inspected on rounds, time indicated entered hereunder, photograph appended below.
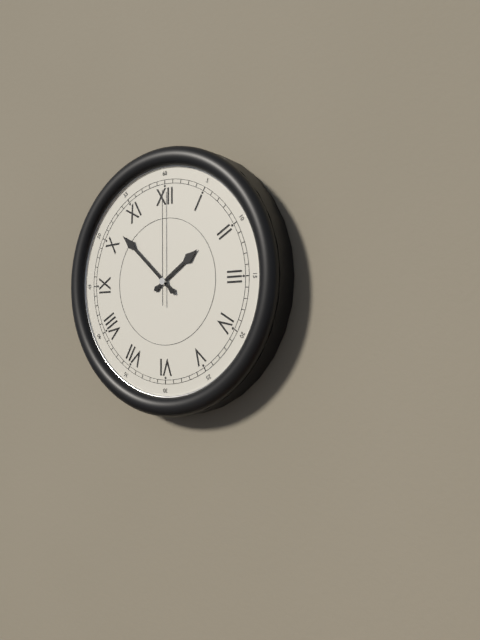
1:52:00
